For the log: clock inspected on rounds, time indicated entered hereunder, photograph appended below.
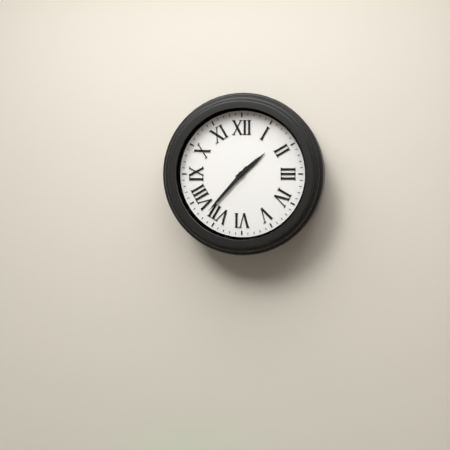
1:37
